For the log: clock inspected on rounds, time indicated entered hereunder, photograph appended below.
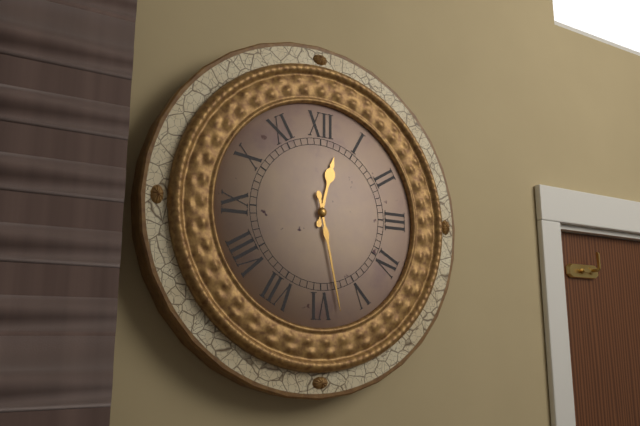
12:28
